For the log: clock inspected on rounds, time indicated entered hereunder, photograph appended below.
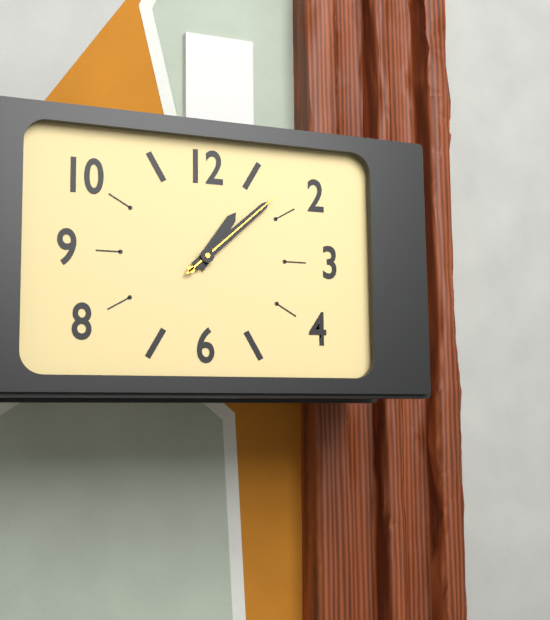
1:08:08
